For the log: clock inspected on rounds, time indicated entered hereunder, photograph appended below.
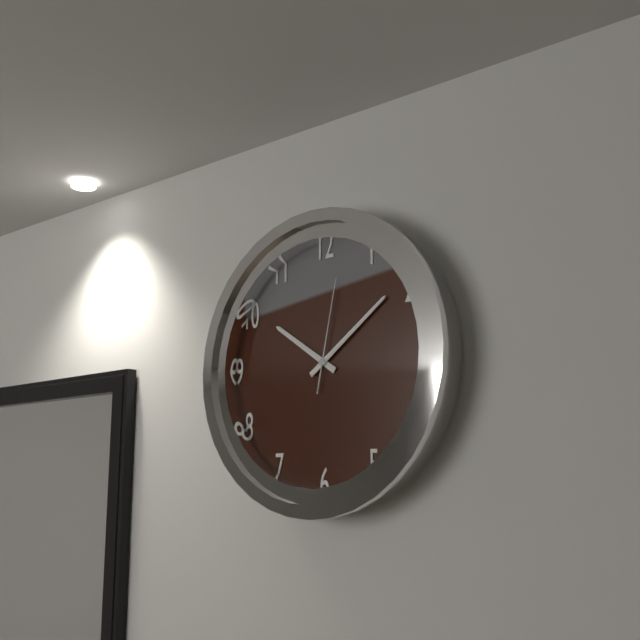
10:09:02
